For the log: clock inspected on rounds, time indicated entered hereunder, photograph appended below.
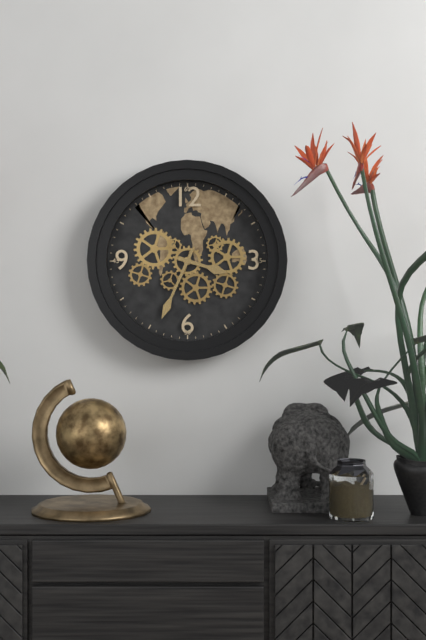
3:34
